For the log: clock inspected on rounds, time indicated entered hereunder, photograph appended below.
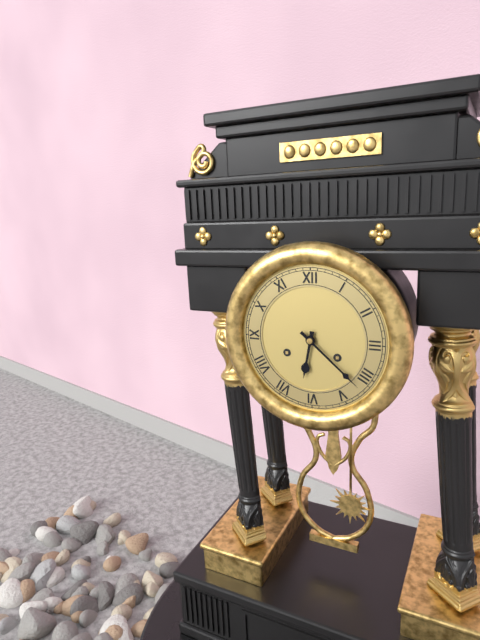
6:22
